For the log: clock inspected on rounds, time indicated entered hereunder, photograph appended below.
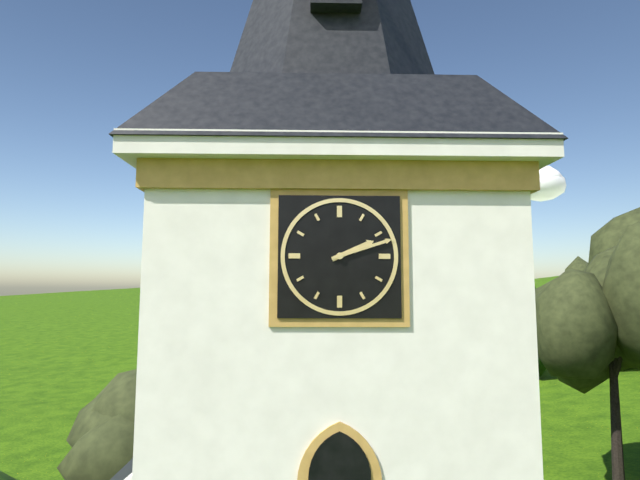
2:12
